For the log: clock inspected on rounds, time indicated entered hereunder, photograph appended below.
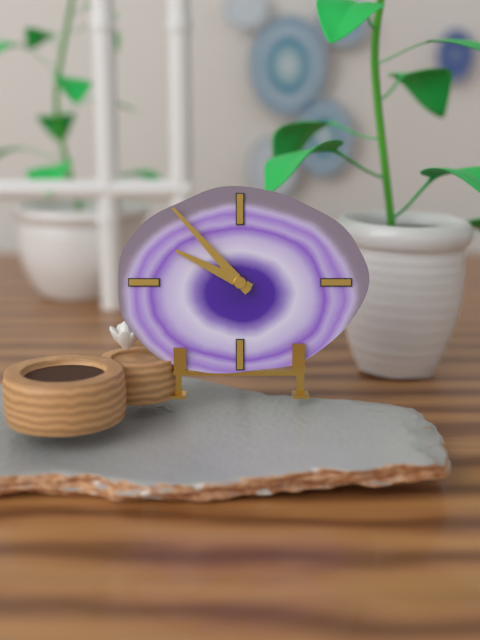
9:53
